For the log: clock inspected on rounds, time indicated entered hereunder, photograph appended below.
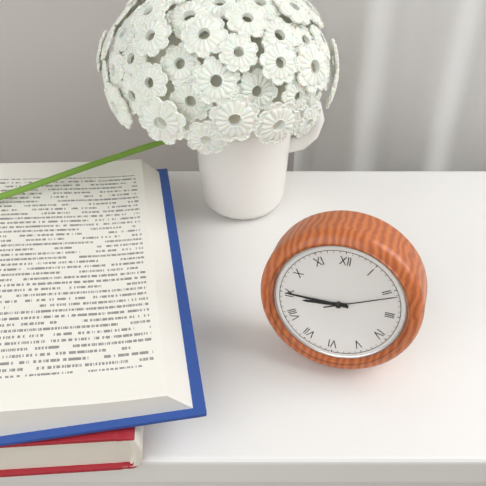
8:45:11
